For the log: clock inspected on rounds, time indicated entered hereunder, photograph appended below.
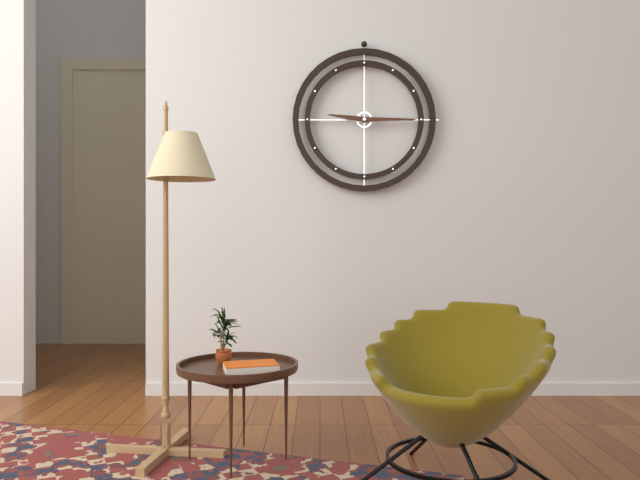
9:15
